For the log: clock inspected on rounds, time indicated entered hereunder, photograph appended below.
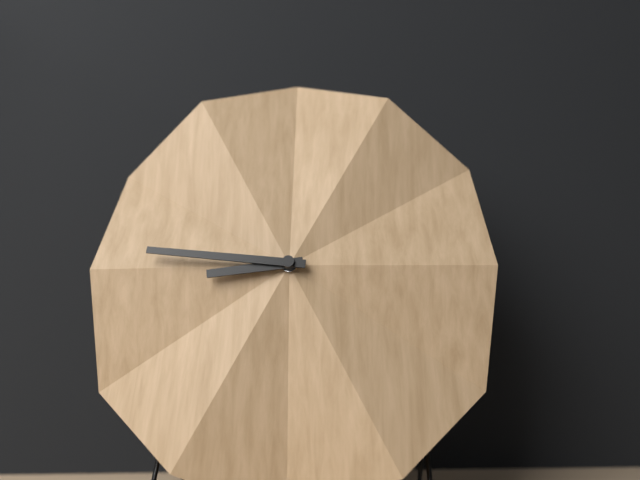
8:46
